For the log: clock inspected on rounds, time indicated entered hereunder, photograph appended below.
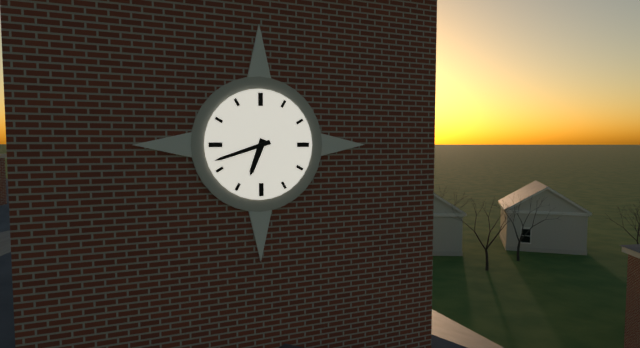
6:42
